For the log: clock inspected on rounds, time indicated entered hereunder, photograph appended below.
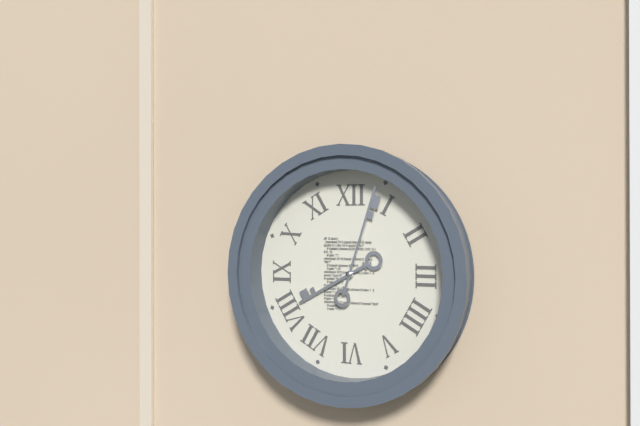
8:03
